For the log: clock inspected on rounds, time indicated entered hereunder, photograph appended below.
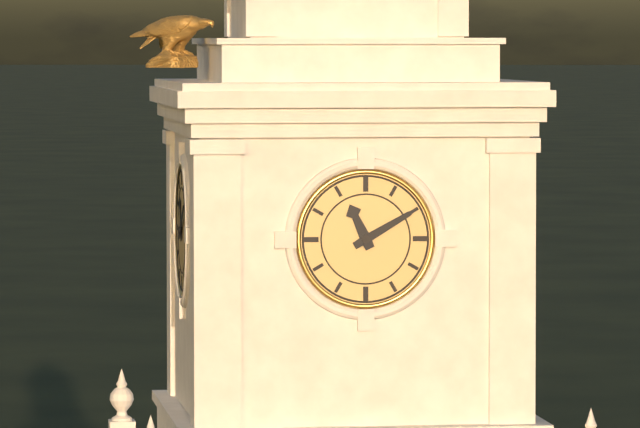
11:10
